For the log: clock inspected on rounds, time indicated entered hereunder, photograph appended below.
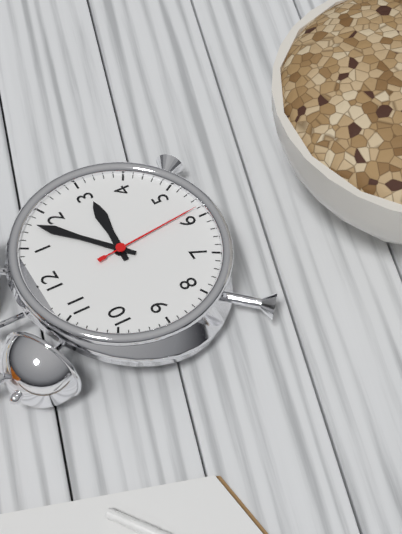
3:08:29
